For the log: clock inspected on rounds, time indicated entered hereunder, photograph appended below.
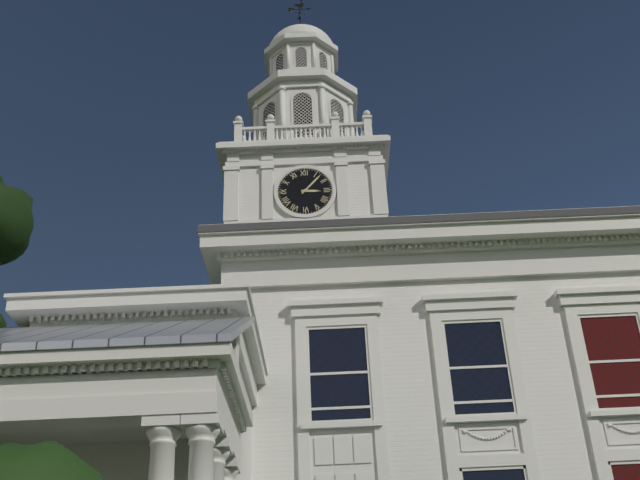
3:07
